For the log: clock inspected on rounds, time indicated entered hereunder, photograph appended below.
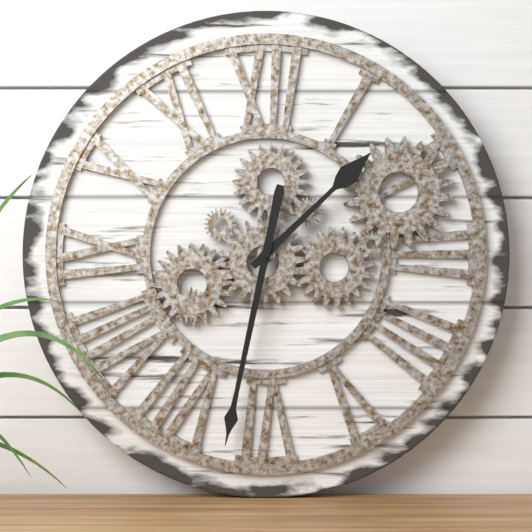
1:32
